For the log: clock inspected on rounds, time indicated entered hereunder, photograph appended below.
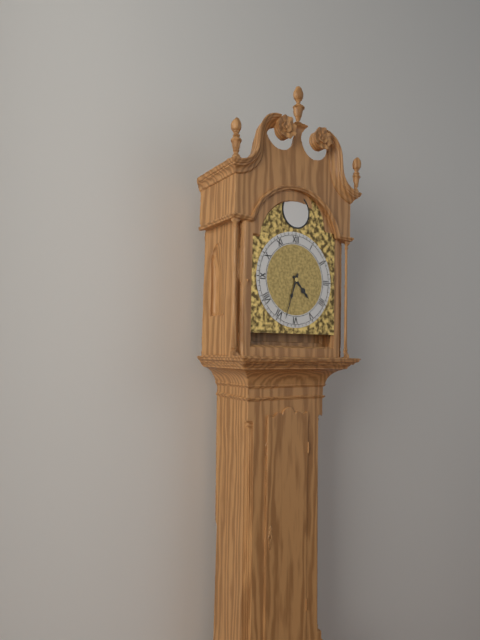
4:33
